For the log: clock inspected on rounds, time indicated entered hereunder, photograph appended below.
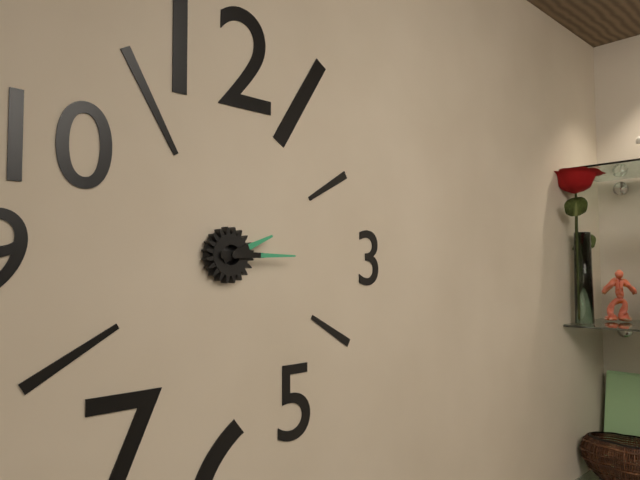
2:15
